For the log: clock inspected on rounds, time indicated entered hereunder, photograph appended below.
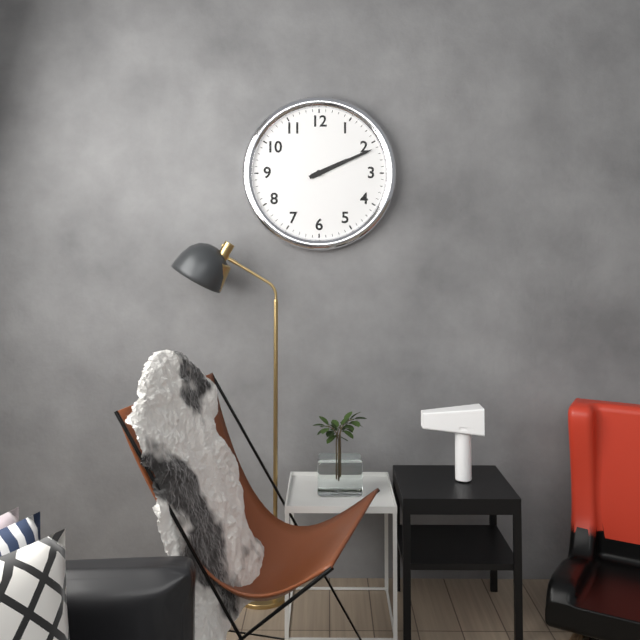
2:11
